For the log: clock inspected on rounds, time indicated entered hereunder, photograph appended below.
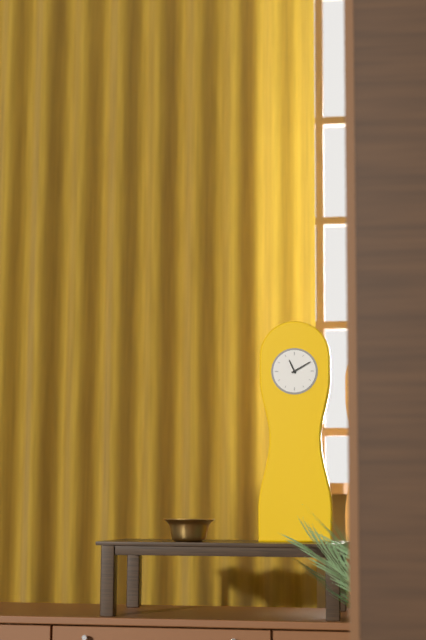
11:10
